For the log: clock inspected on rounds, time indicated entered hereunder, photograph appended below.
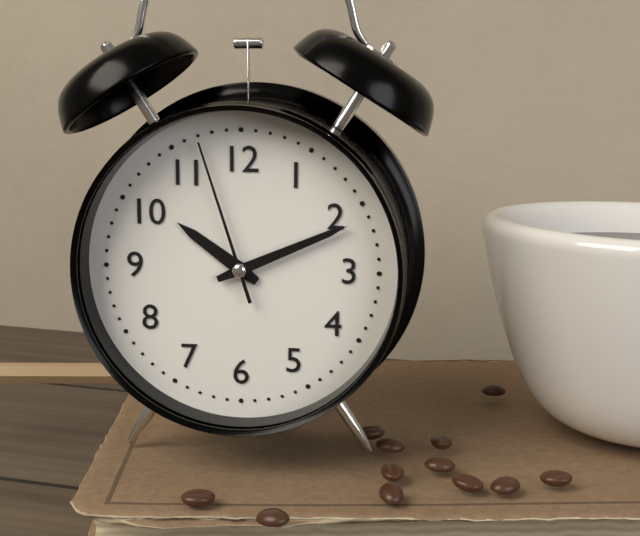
10:11:57
